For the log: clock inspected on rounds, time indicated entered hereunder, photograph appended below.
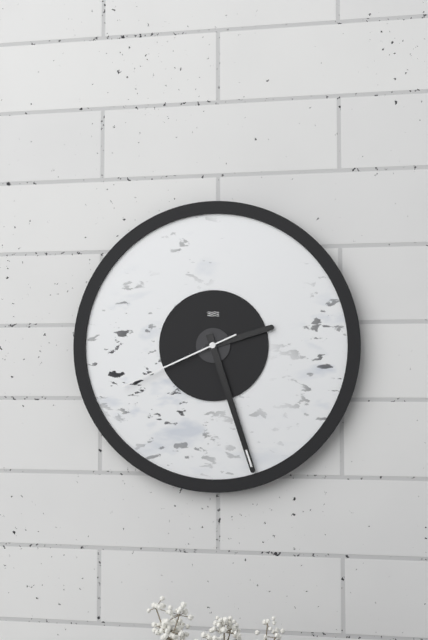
2:27:41
